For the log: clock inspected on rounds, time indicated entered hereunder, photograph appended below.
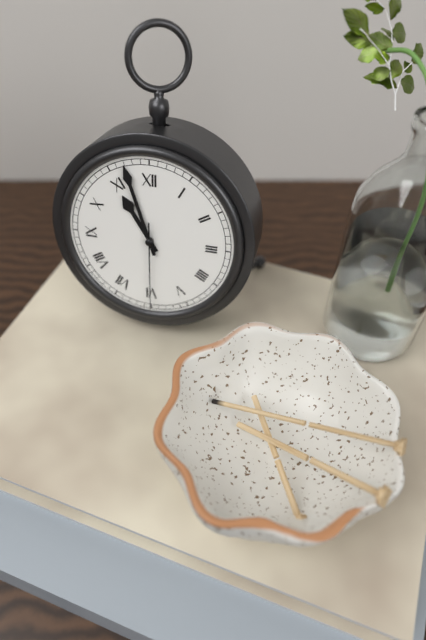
10:57:30
